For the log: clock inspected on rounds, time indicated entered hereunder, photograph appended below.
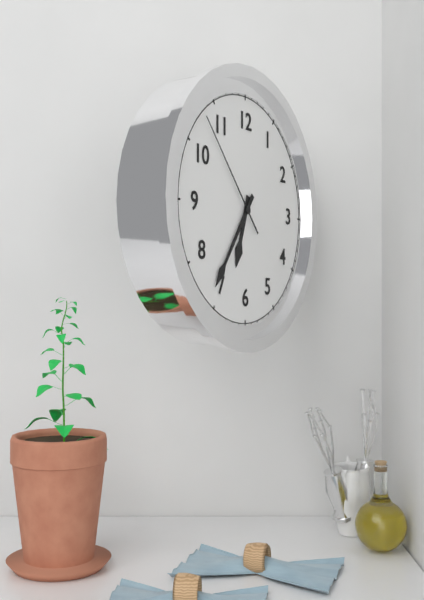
6:36:53
